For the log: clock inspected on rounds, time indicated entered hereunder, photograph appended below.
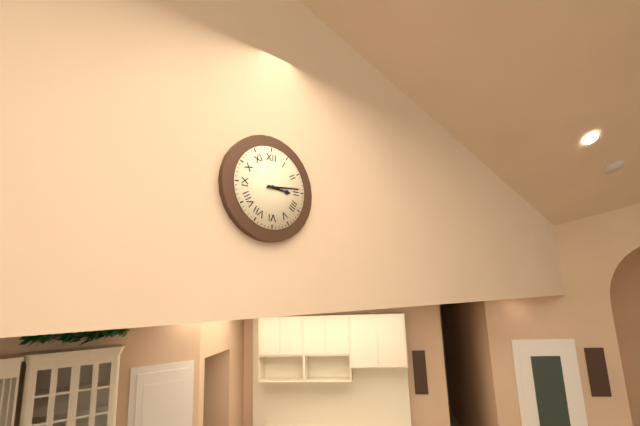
3:14
